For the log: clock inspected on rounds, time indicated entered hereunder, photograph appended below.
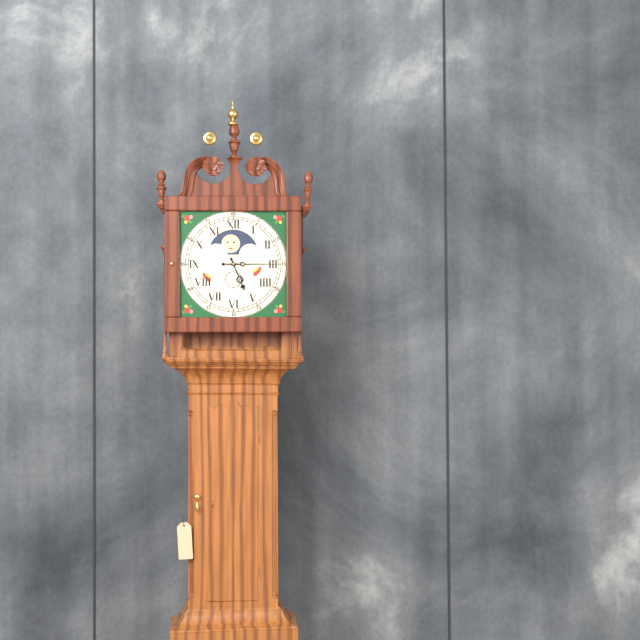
5:15
